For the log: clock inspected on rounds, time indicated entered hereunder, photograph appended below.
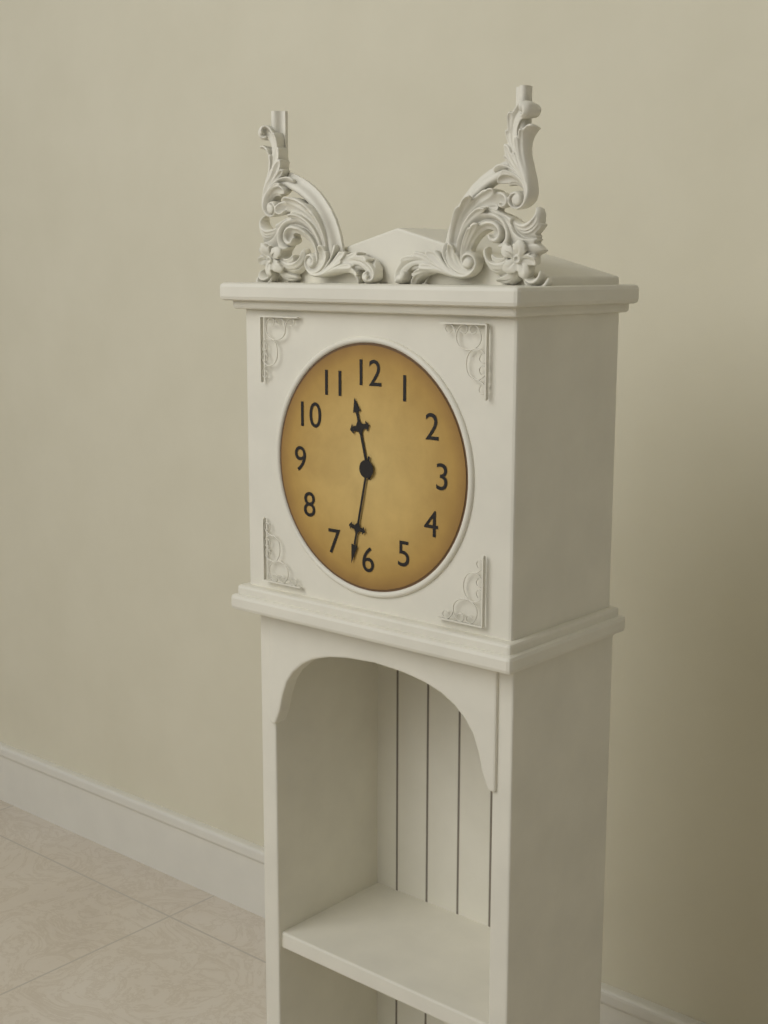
11:32
